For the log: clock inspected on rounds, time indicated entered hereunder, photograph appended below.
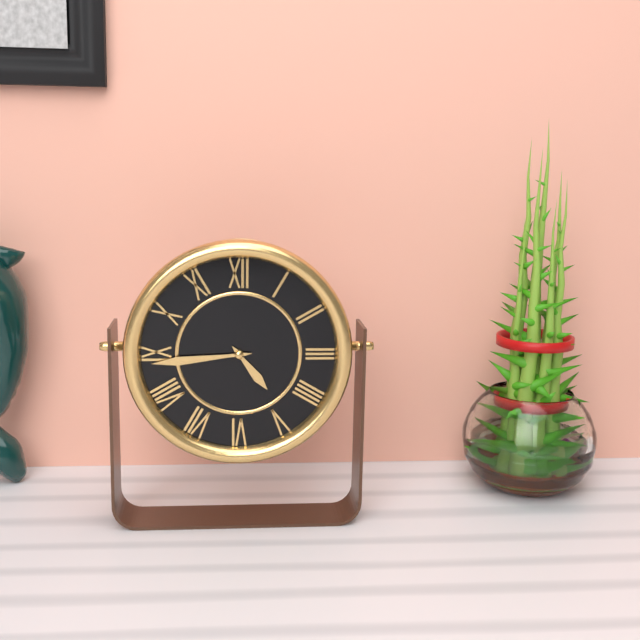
4:44
